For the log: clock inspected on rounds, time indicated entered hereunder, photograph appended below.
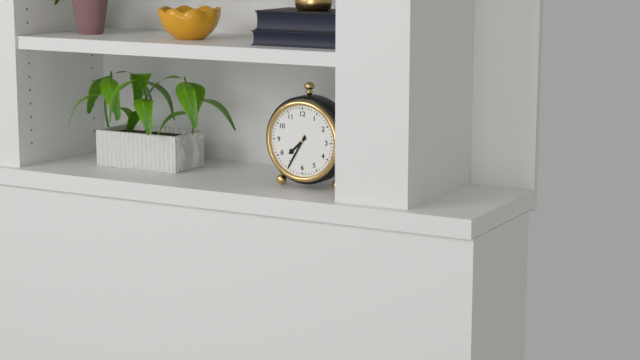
7:35
